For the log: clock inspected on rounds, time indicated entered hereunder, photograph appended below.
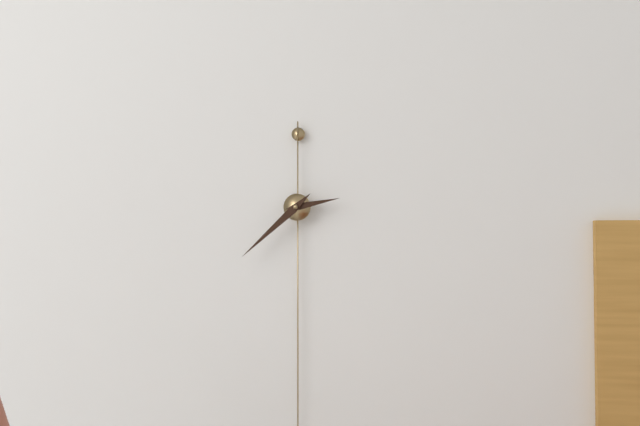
2:38
